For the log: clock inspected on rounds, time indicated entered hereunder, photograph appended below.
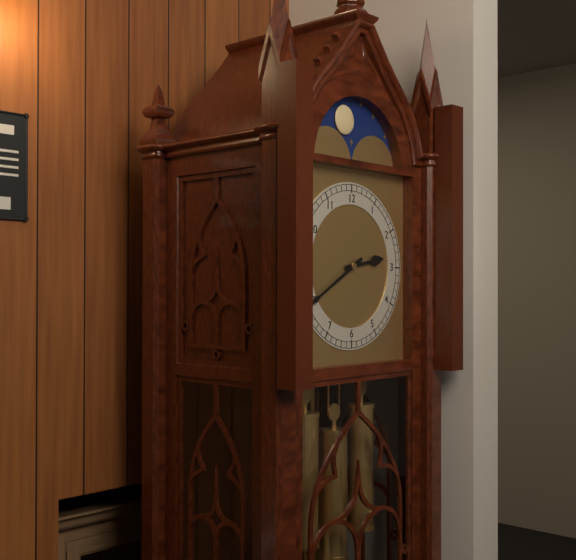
2:40
